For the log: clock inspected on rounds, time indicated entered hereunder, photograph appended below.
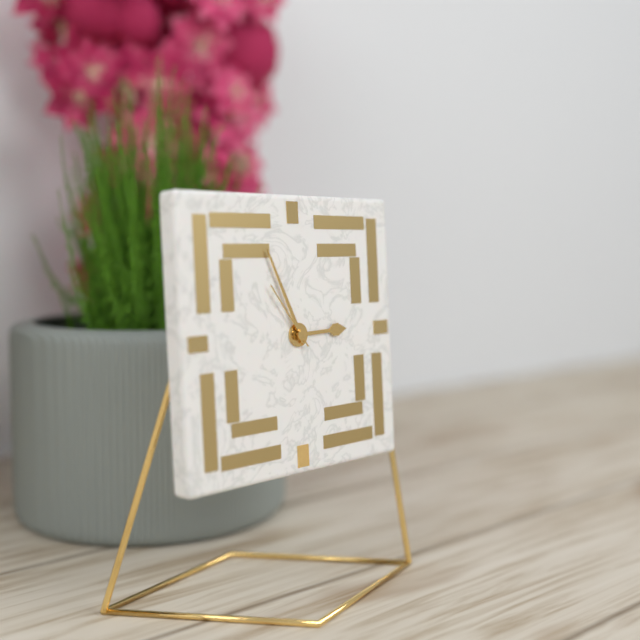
2:56:54
